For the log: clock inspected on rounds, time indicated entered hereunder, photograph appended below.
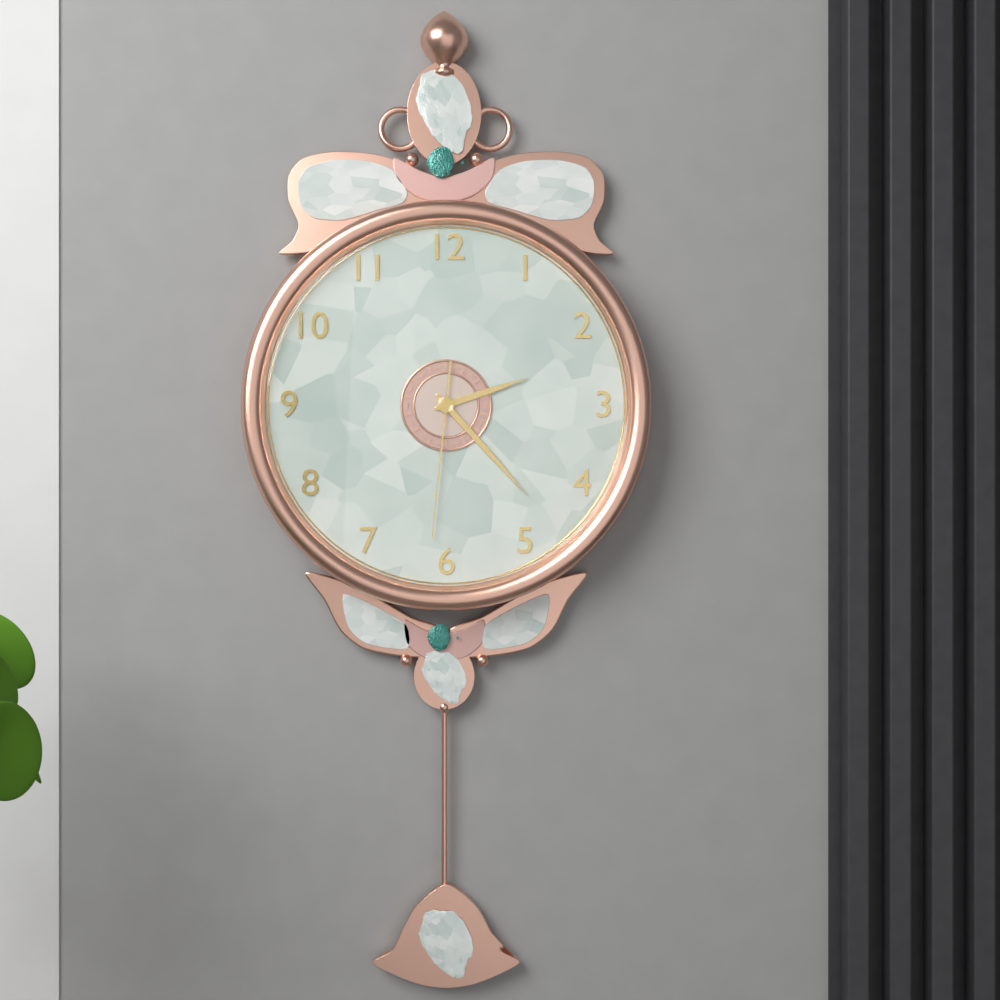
2:23:31
